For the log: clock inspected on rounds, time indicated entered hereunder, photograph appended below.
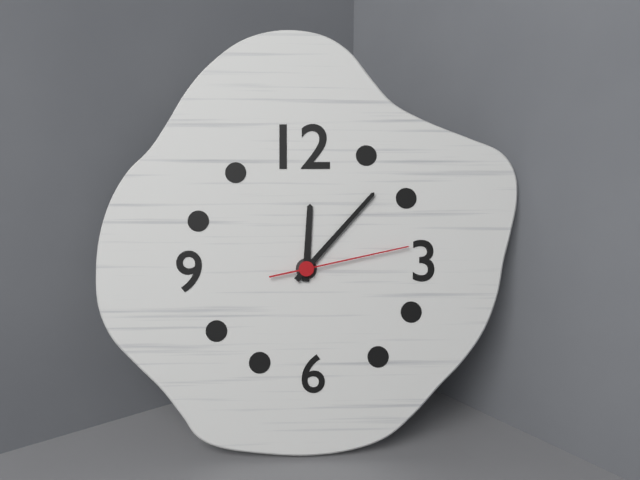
12:07:13
